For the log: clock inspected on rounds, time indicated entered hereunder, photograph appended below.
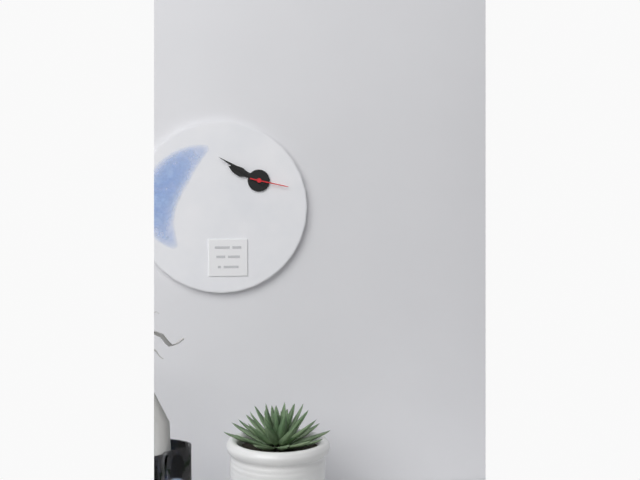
9:50
